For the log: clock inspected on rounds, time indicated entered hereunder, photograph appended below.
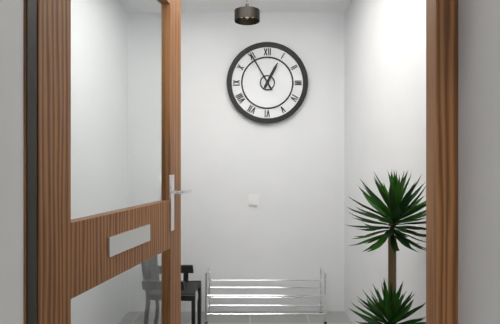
12:55
